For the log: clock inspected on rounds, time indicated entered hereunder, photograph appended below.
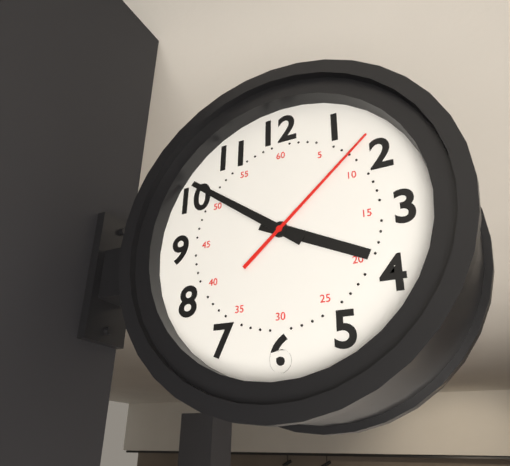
3:51:08
